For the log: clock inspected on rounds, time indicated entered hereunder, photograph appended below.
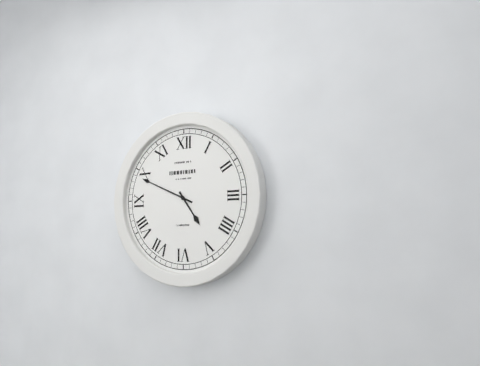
4:49
